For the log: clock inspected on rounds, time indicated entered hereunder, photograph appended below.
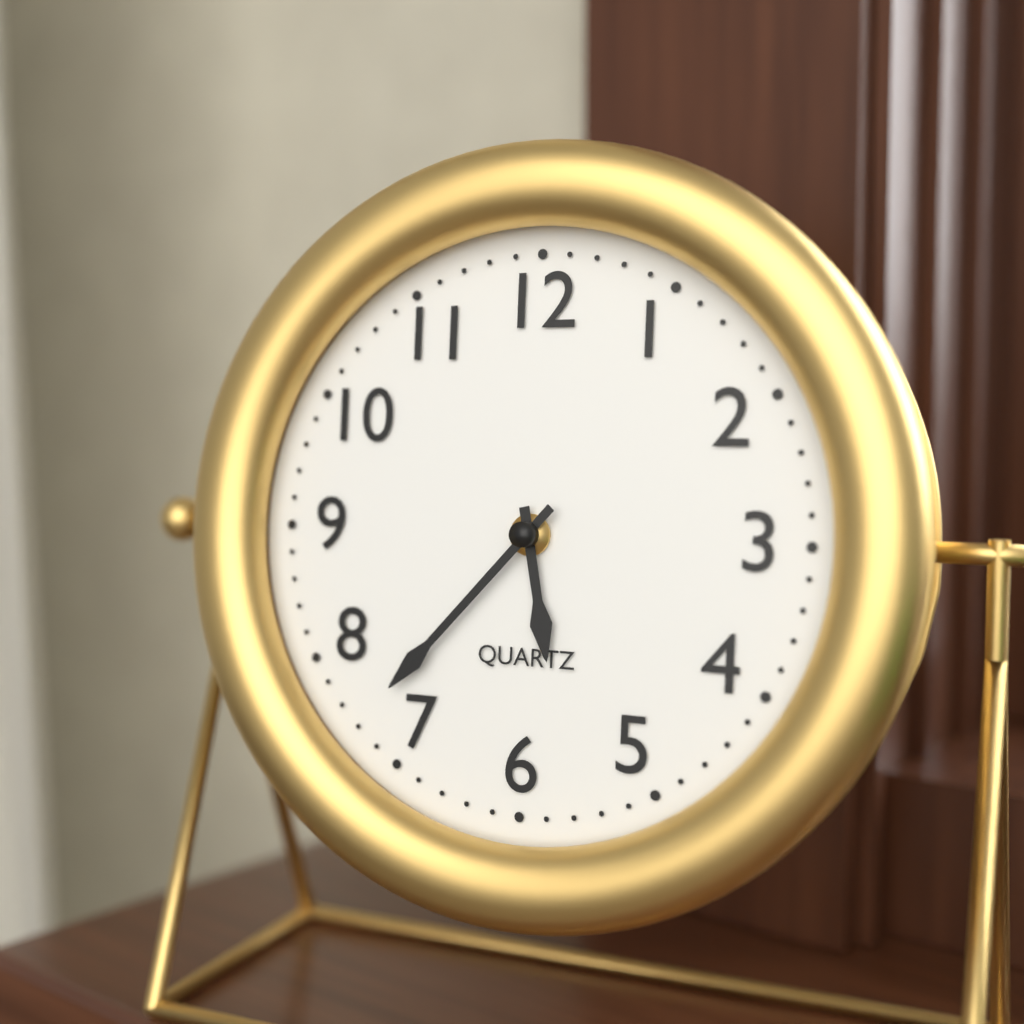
5:37
